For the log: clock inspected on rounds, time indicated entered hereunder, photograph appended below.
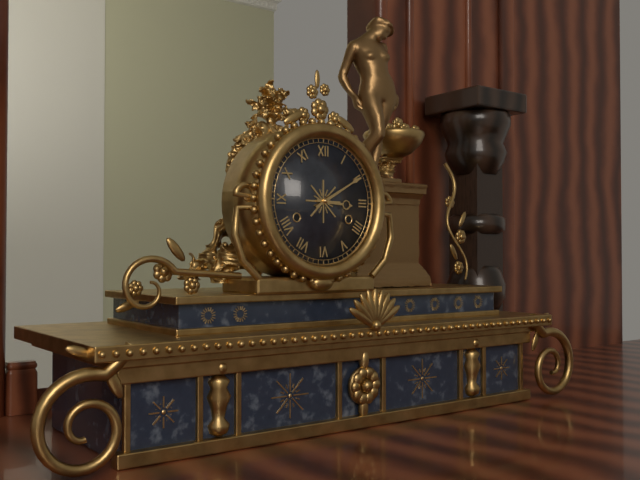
3:10
